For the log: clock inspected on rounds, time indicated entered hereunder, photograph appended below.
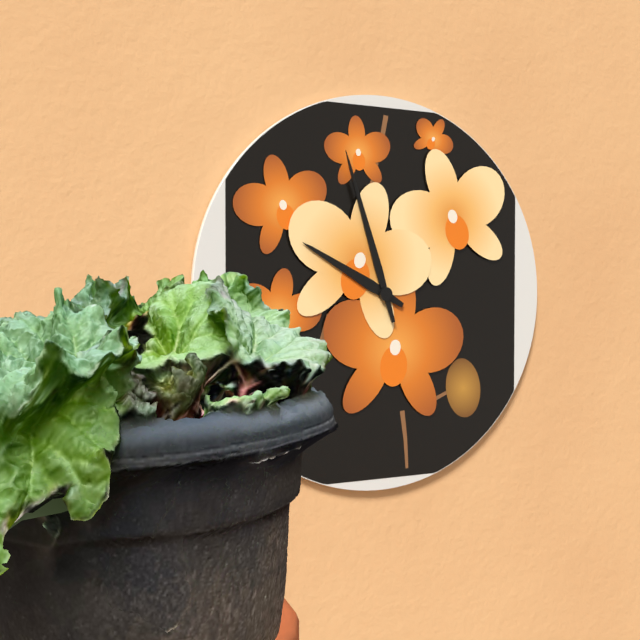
9:57
